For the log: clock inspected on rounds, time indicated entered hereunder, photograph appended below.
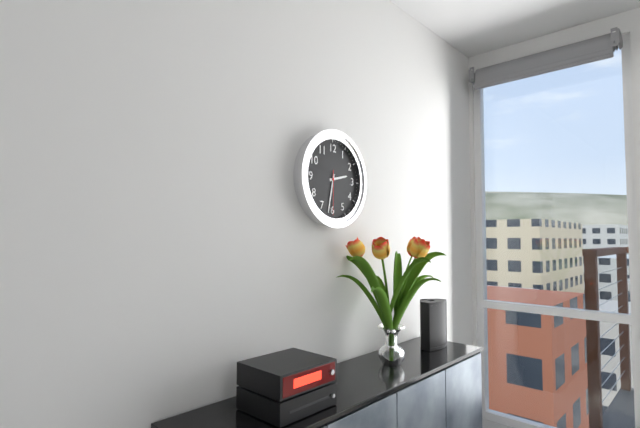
2:32
